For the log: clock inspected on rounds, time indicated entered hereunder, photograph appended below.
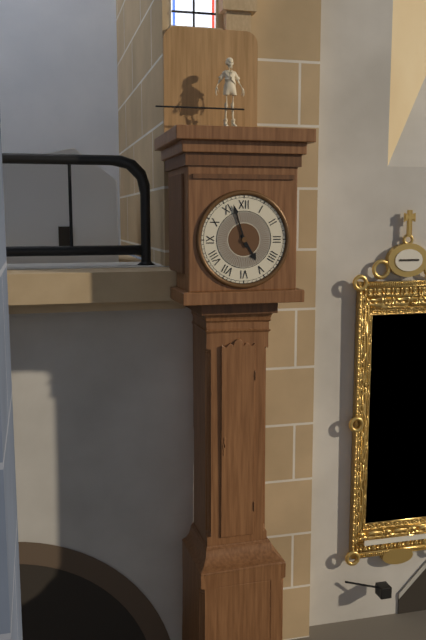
4:57
